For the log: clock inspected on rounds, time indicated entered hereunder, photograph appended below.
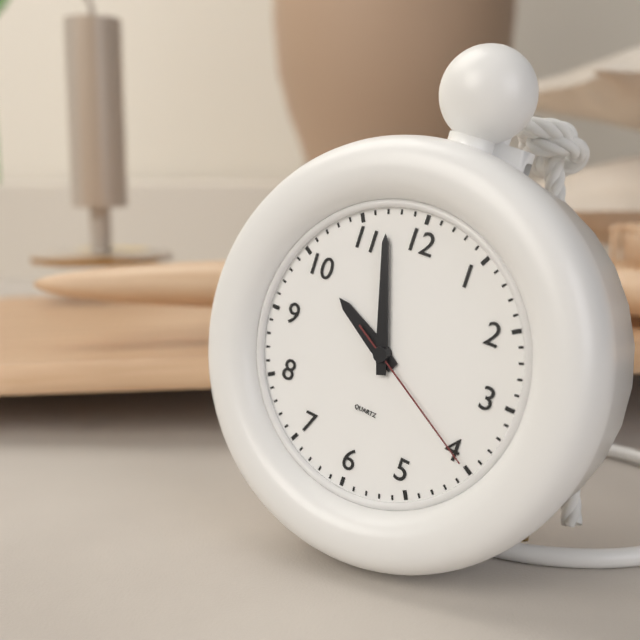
9:57:20
